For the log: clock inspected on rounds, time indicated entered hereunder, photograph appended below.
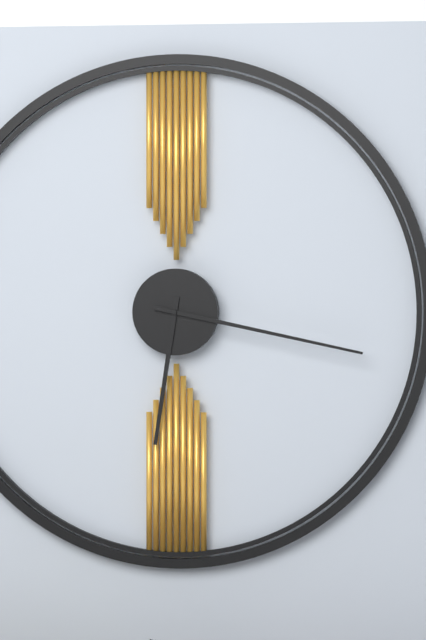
6:17
